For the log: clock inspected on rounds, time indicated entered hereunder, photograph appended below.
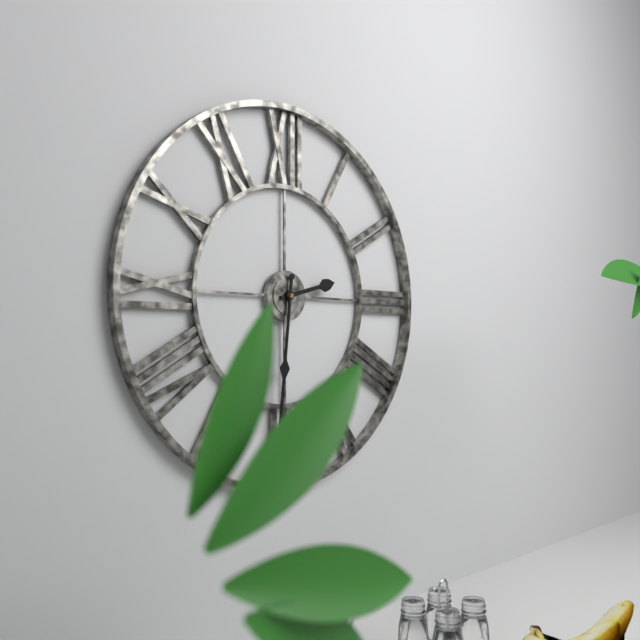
2:31
